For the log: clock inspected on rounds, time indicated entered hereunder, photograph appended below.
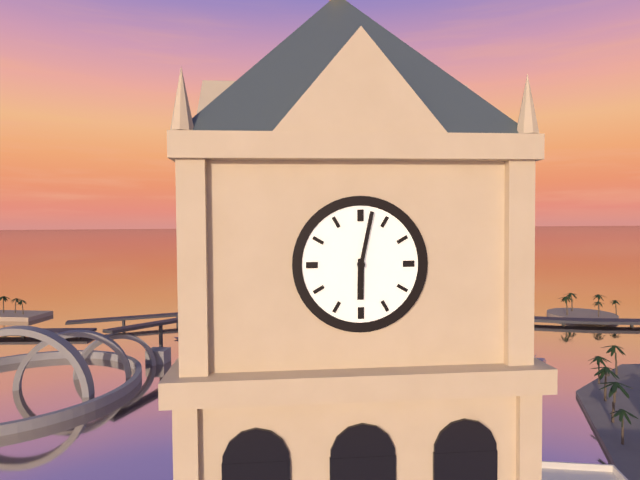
6:02
